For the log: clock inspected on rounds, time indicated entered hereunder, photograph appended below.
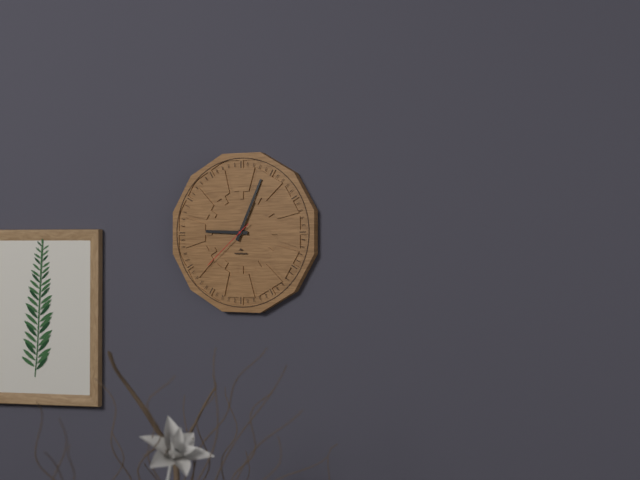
9:04:38
